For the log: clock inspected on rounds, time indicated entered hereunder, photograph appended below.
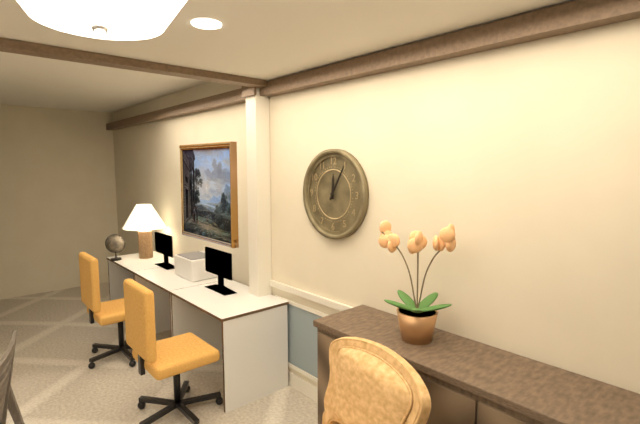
12:05
